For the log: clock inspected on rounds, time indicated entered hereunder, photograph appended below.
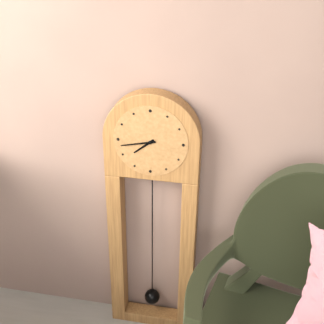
7:43
